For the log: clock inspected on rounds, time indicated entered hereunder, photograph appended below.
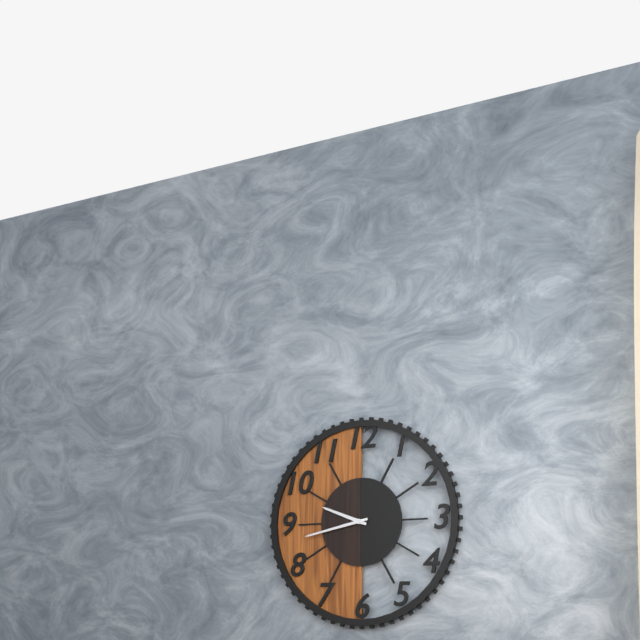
9:43
